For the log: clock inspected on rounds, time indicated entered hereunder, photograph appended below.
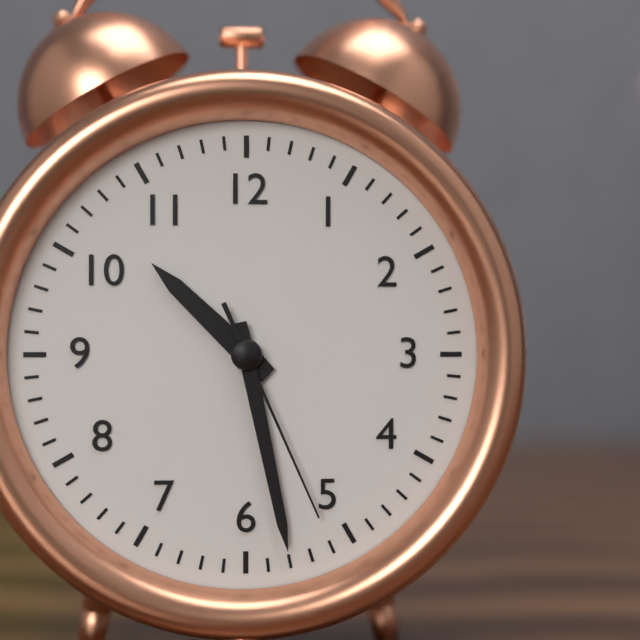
10:28:26
